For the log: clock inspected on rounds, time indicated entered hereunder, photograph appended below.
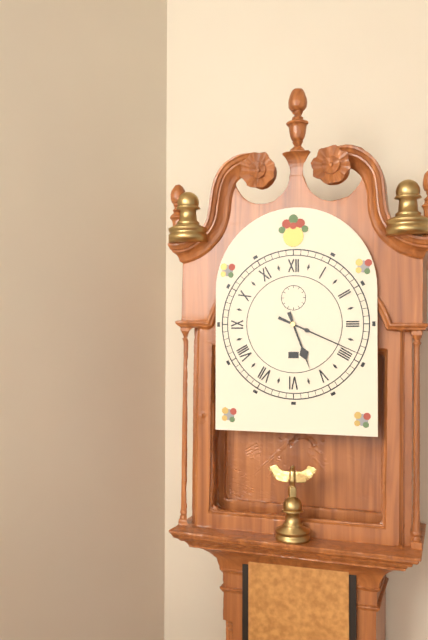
5:19
